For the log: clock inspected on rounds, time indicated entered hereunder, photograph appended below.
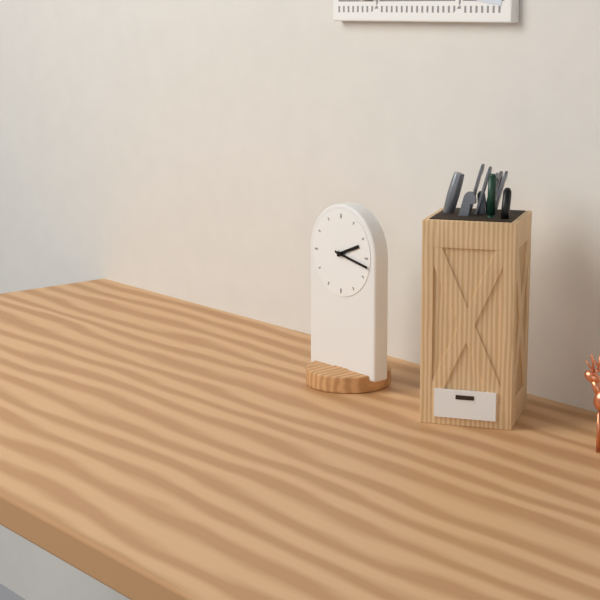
2:17
